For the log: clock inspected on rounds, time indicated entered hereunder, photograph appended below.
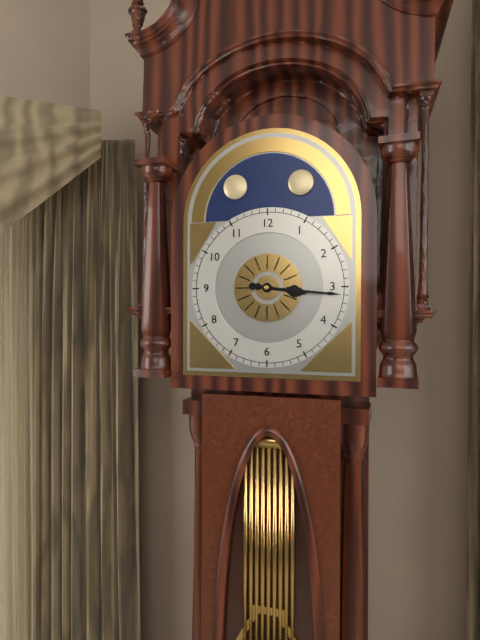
3:16
